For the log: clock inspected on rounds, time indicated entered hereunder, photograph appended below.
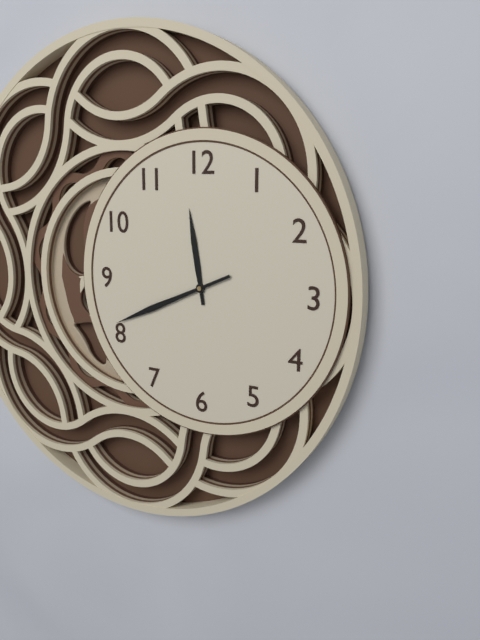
11:41
